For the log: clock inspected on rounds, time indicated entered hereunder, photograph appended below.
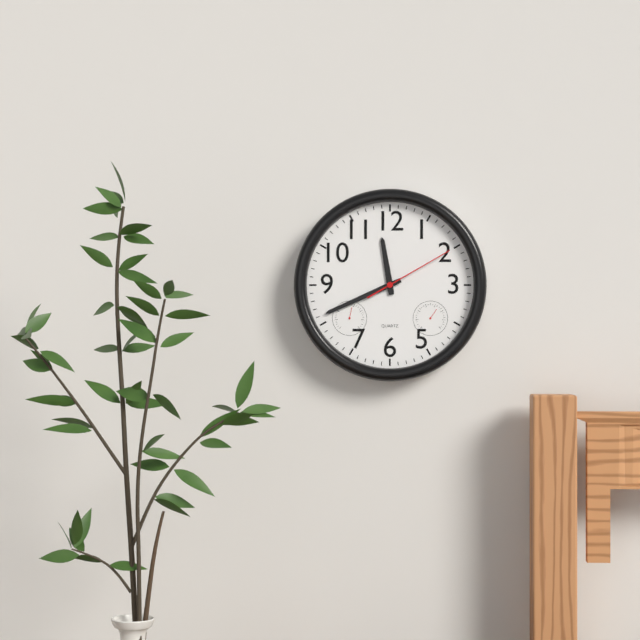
11:41:10
